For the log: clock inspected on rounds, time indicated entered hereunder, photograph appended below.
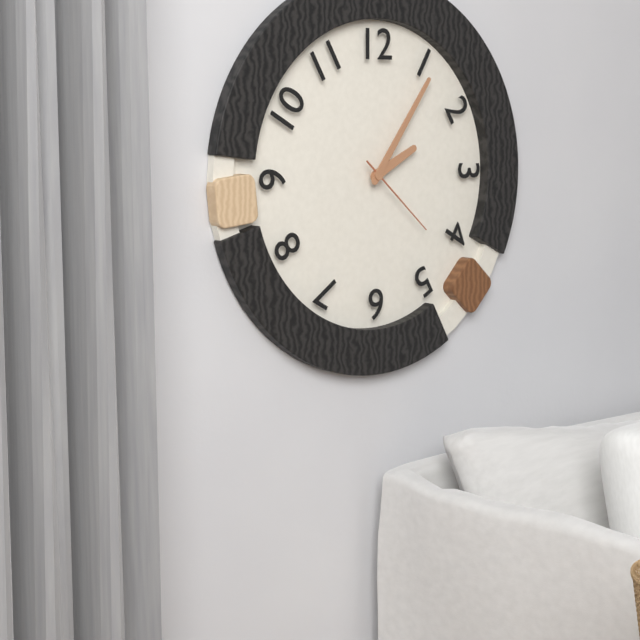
2:06:22
